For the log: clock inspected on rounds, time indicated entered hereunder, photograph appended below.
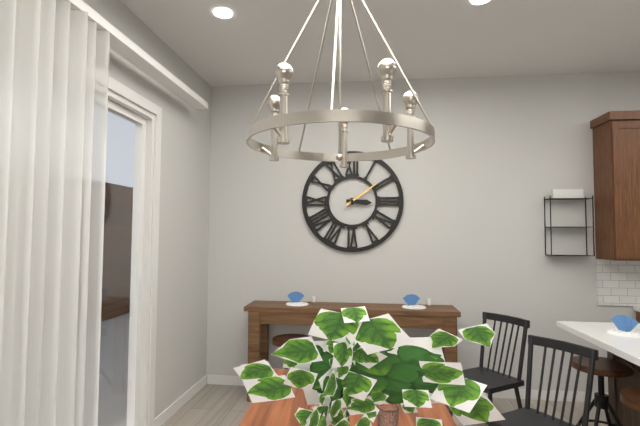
3:09
